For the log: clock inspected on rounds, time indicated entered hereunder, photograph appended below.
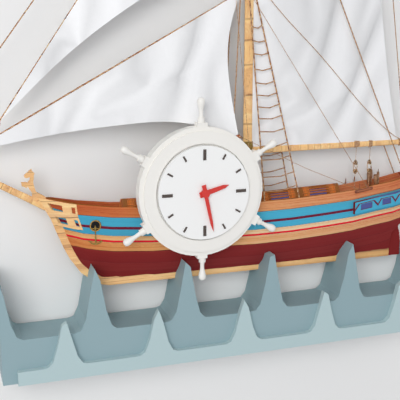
2:28
